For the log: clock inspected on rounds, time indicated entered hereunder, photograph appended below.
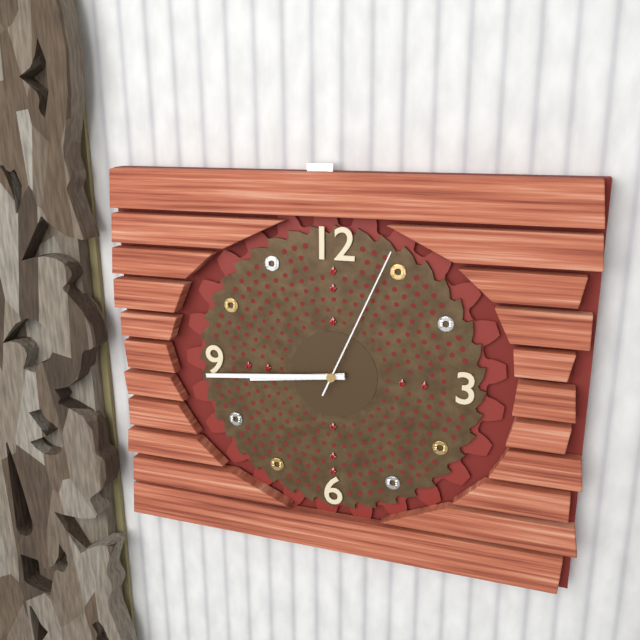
8:44:04
